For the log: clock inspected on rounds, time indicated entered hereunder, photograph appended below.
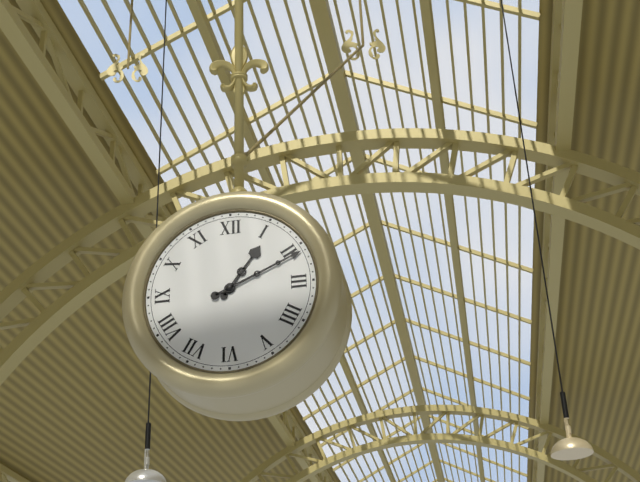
1:11
